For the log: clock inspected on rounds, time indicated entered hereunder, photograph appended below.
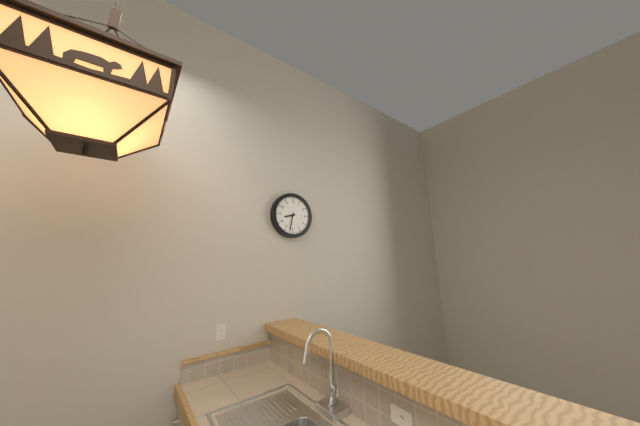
8:32
